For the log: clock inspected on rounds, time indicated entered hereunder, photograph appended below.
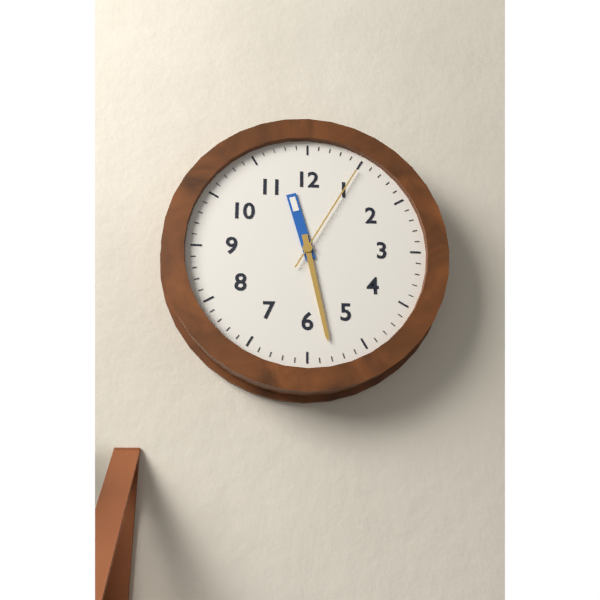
11:28:05
